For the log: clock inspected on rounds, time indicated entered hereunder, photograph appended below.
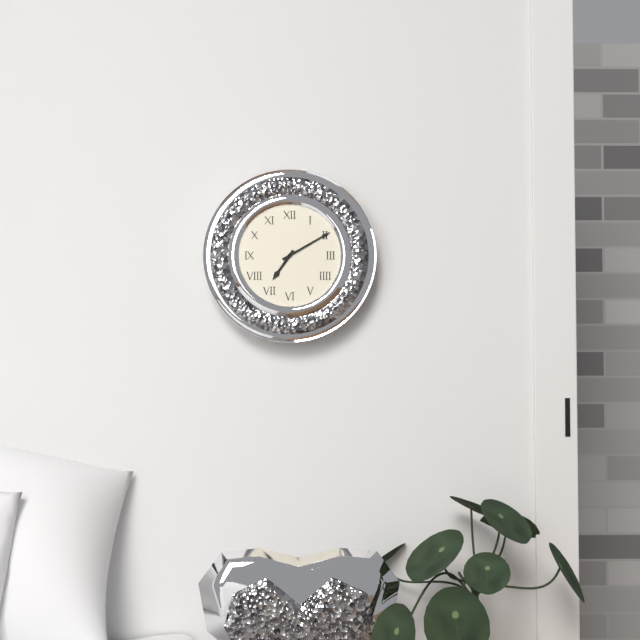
7:10
